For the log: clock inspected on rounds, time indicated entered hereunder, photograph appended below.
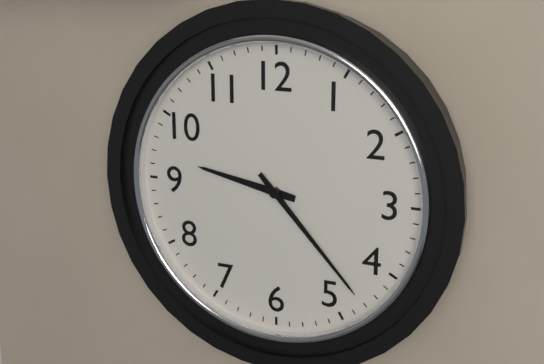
9:23
